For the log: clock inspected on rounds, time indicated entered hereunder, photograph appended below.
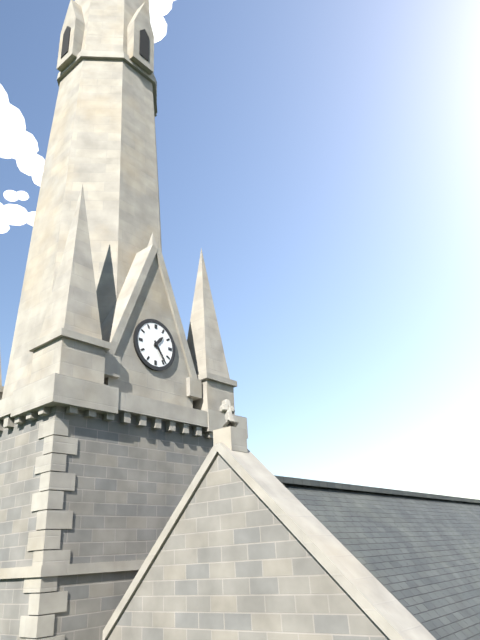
1:24
